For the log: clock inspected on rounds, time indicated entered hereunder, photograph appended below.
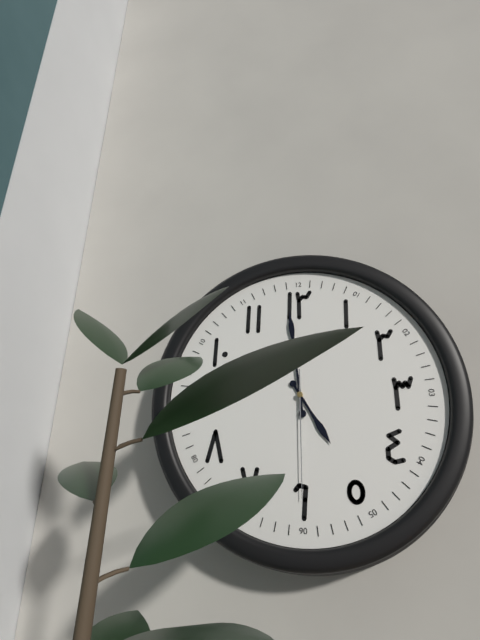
4:59:30
